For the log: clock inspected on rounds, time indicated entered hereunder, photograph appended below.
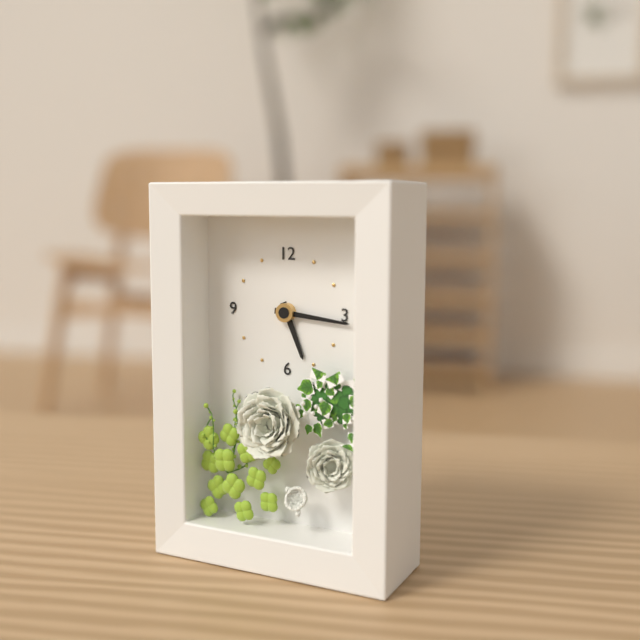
5:16
